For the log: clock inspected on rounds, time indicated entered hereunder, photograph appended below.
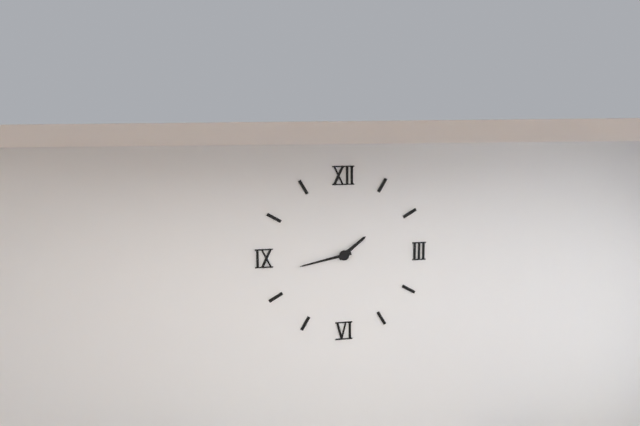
1:43
